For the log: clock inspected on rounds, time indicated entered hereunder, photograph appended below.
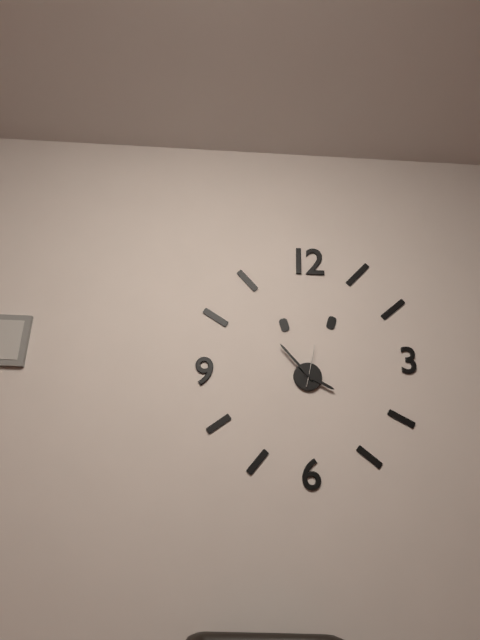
3:53
